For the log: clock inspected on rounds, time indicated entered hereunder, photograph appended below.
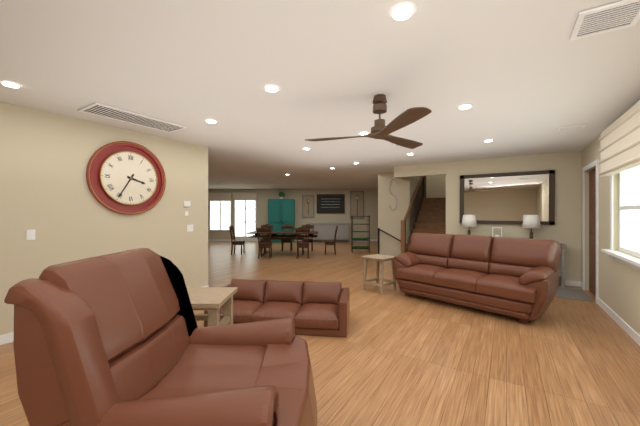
3:35
